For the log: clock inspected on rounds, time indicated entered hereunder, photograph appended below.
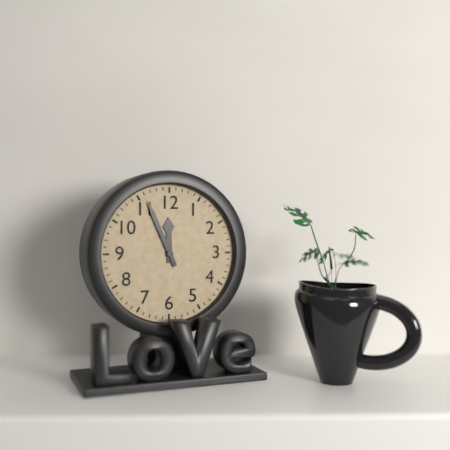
11:56
